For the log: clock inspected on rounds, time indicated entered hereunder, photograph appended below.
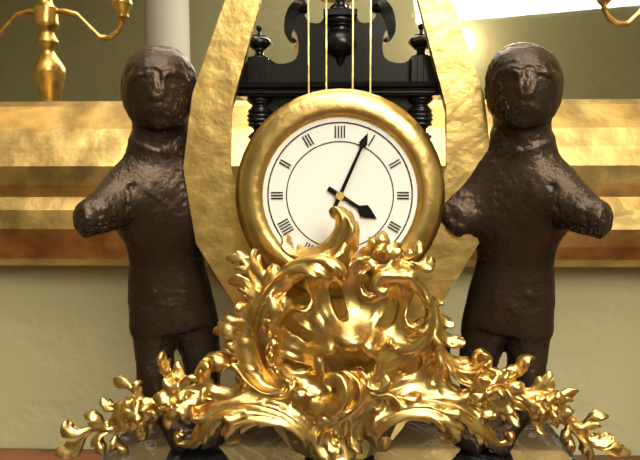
4:04
